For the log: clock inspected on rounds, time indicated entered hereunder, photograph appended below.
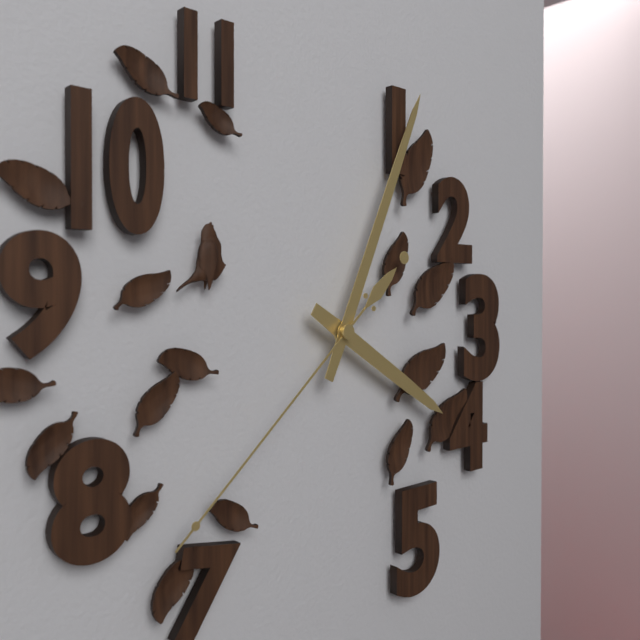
4:04:38
